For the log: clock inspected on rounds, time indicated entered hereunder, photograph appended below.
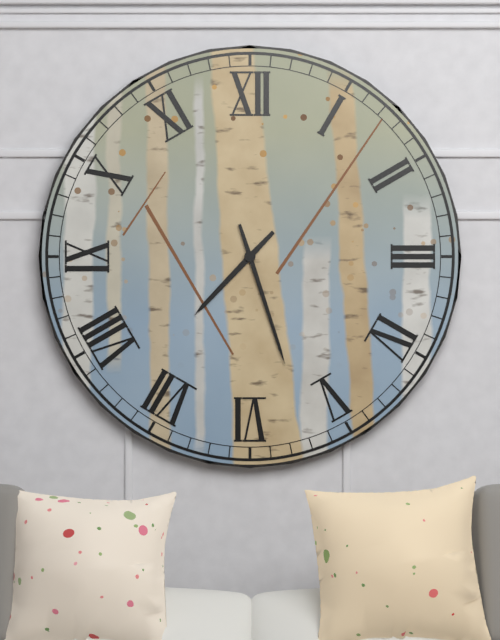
7:27
